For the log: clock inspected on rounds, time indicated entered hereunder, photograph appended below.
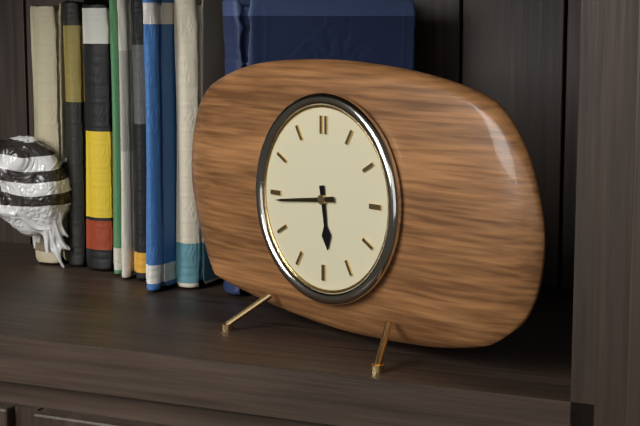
5:44
